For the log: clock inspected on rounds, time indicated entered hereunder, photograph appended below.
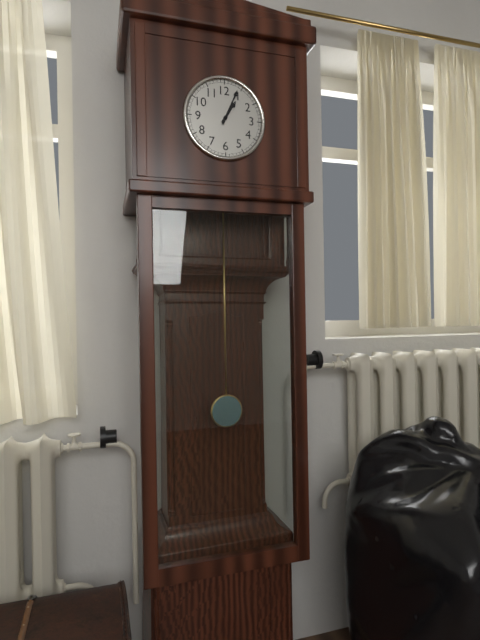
1:04
